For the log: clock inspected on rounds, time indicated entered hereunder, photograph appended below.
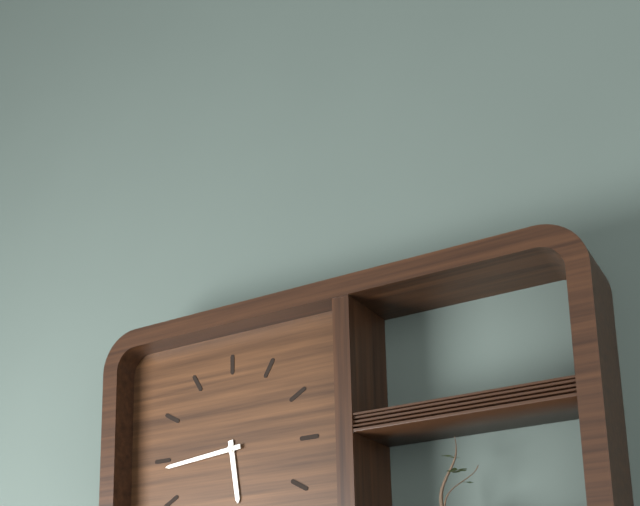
5:44
